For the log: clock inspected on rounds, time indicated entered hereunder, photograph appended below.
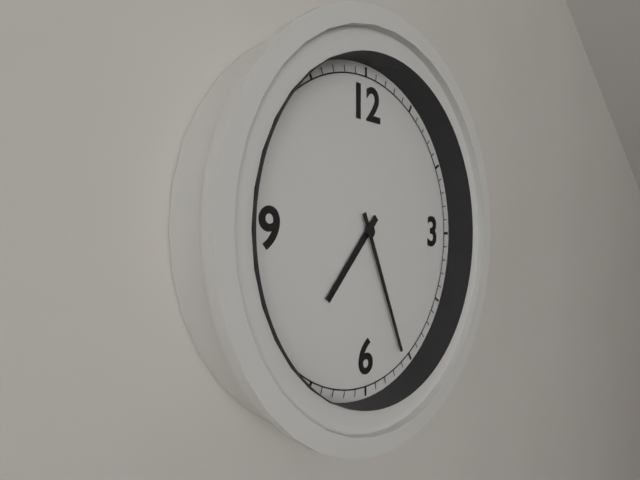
7:26
